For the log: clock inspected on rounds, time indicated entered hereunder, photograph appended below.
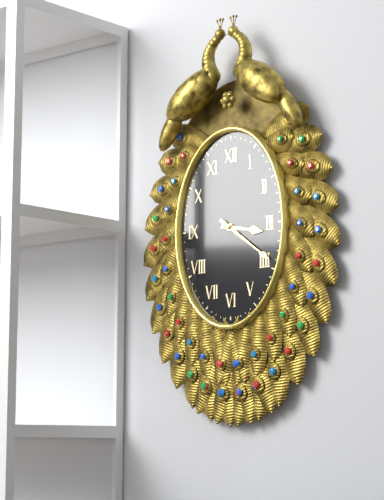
3:21
